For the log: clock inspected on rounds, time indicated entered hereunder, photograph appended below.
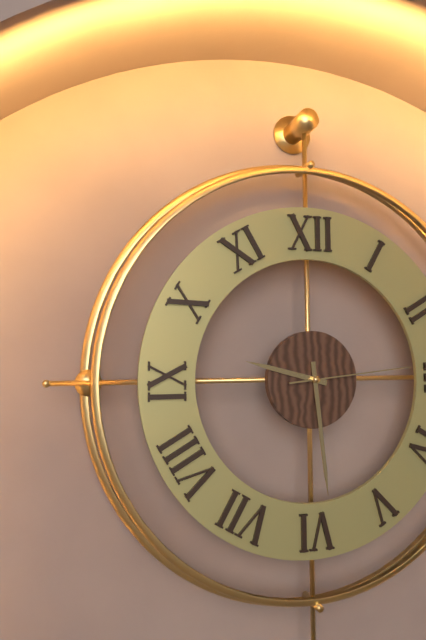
9:29:14
